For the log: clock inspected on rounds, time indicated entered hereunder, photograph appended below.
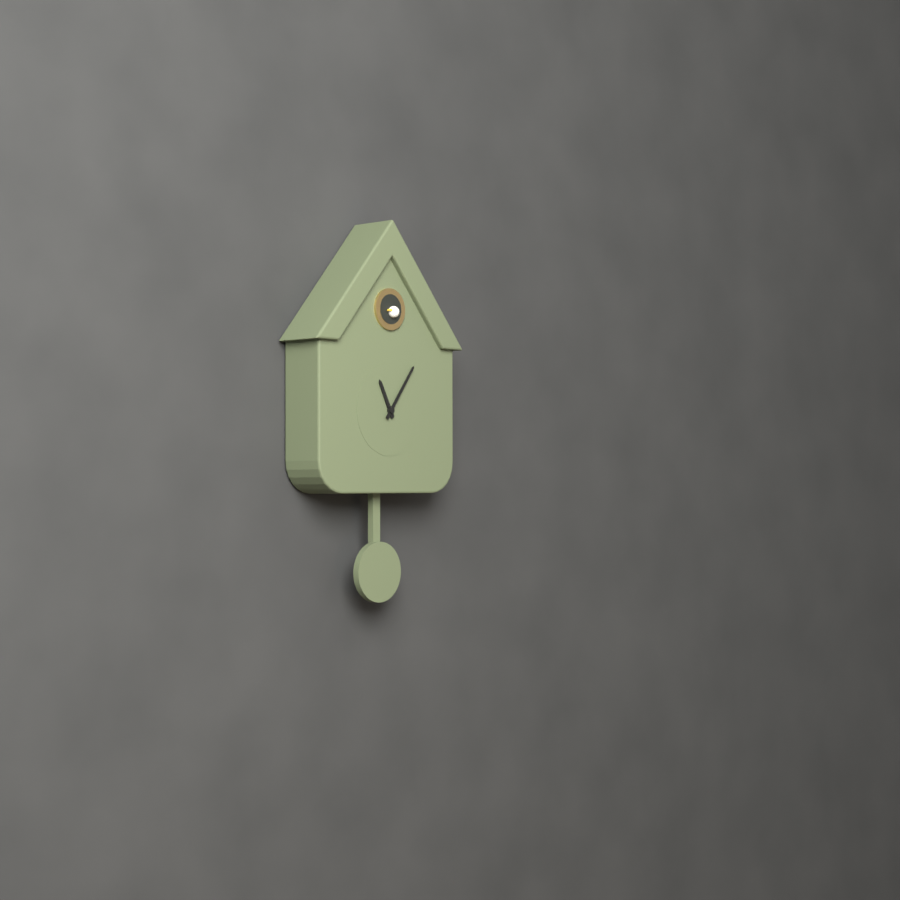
11:06
